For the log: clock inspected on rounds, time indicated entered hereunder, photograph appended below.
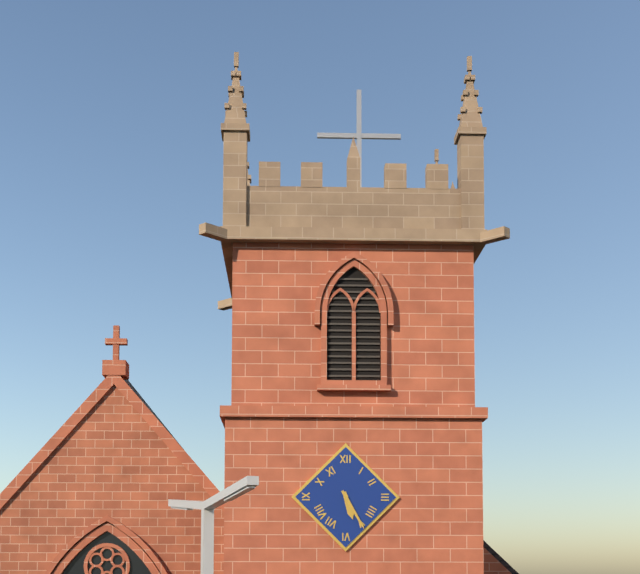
5:25
